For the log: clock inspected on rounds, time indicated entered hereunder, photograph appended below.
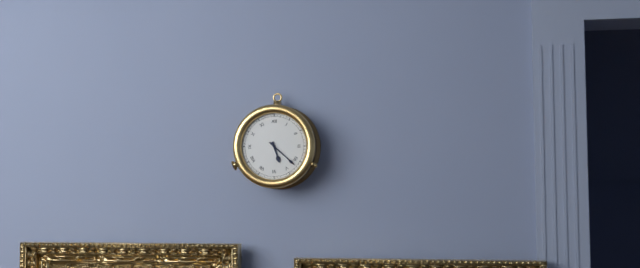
5:22
